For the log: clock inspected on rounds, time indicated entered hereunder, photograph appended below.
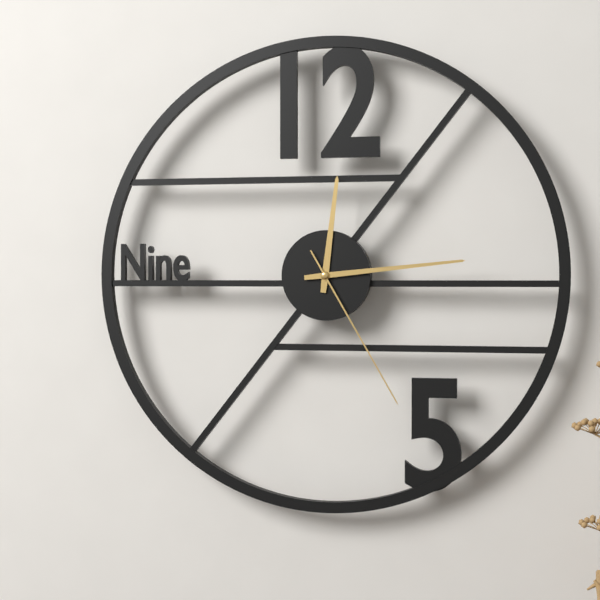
12:14:25
